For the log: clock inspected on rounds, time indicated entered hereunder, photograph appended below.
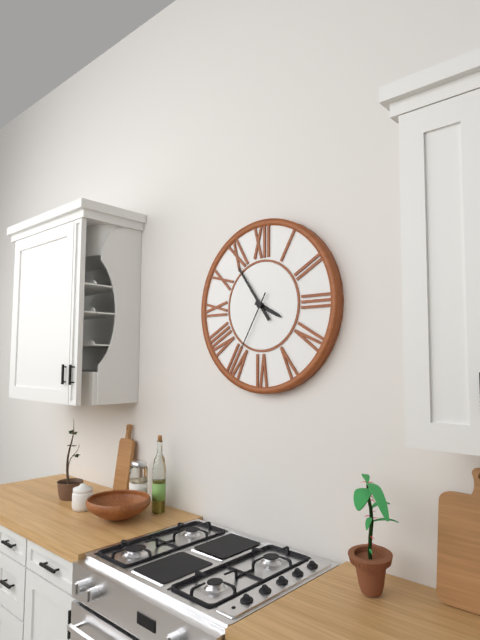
3:54:35
